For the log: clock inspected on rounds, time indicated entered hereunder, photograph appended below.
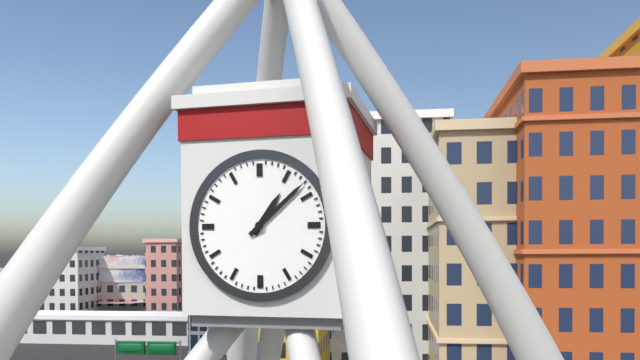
1:08
